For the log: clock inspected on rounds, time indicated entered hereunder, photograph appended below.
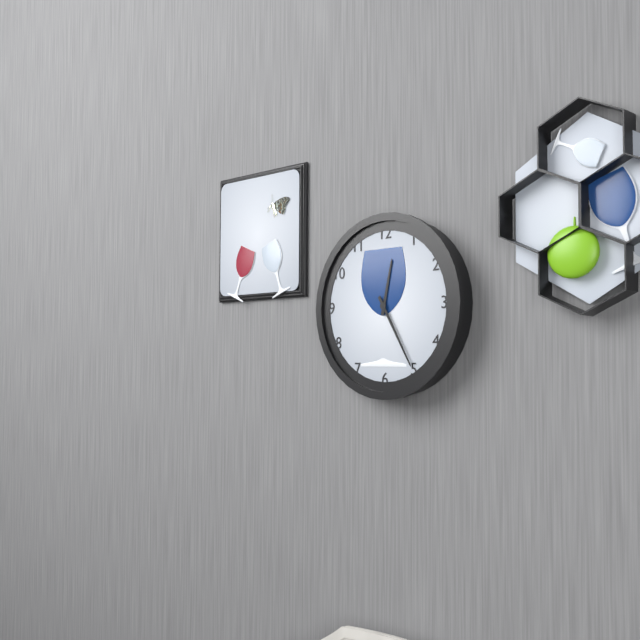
12:25
